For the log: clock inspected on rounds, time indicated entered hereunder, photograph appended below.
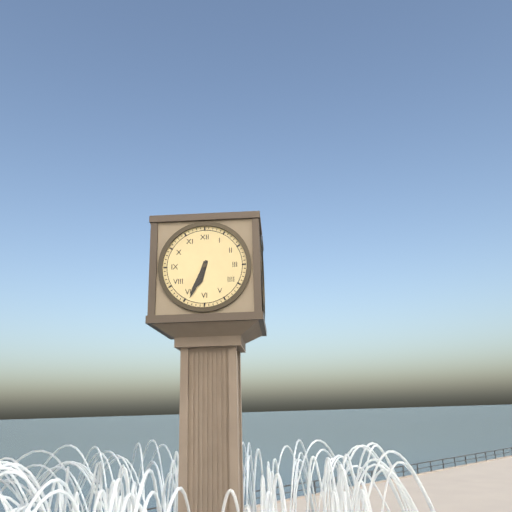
6:34
